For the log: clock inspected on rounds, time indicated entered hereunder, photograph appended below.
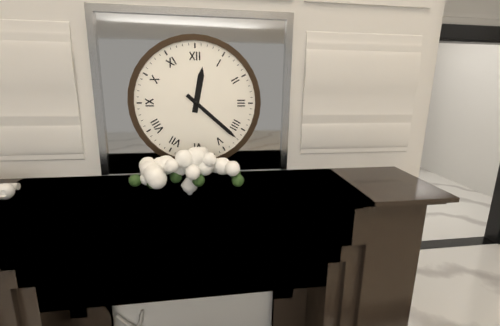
12:22
